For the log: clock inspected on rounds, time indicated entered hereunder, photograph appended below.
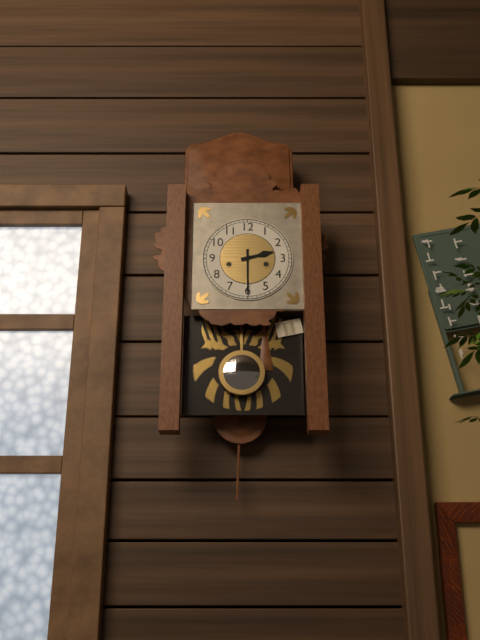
2:30
